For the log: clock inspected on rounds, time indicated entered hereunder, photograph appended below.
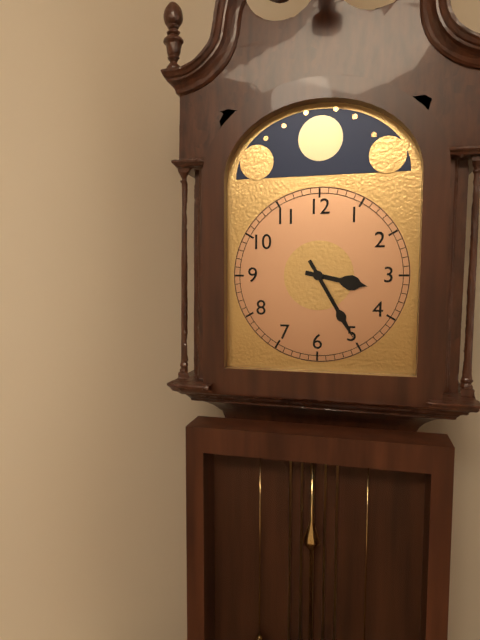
3:25
